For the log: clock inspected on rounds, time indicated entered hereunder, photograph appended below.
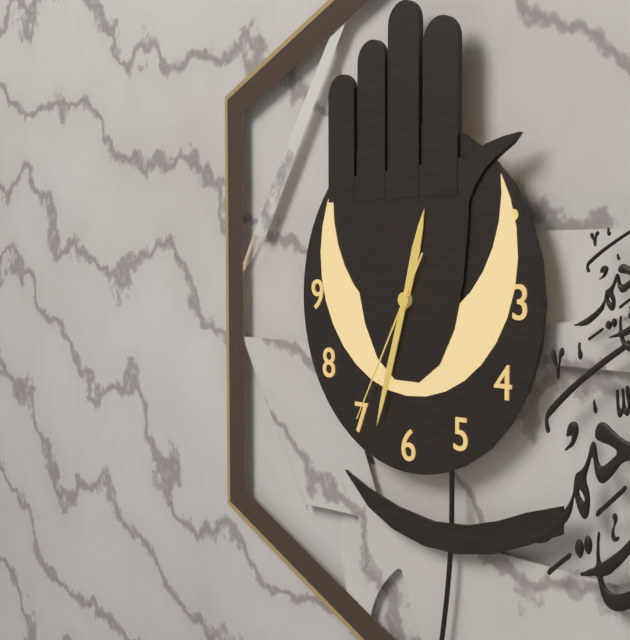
12:33:35
